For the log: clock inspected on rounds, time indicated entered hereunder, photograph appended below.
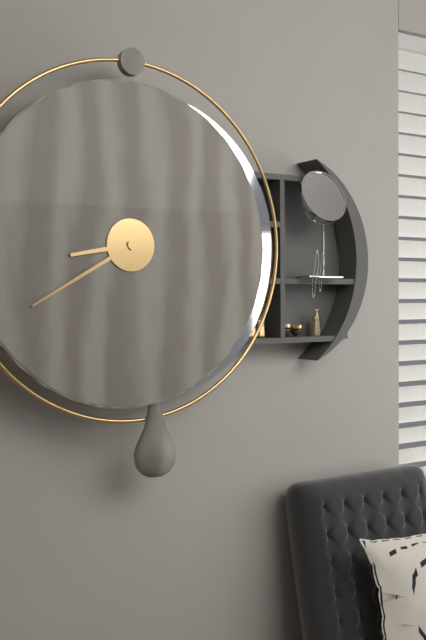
8:40
